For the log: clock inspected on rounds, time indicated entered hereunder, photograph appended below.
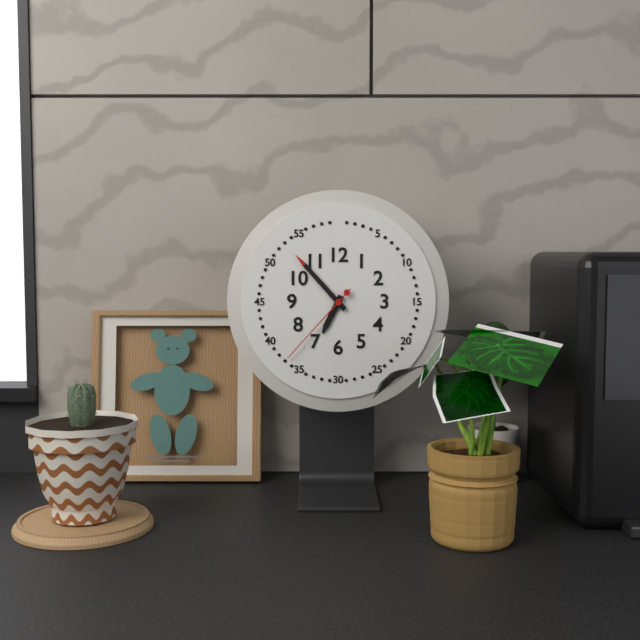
6:53:37
